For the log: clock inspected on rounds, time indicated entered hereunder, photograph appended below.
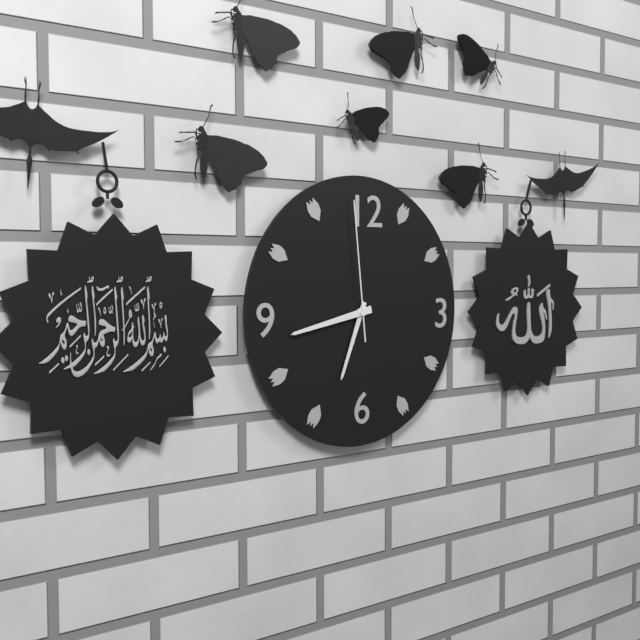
6:43:59
